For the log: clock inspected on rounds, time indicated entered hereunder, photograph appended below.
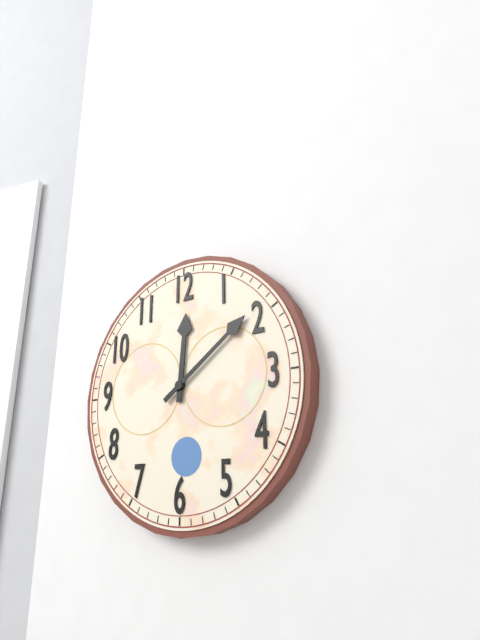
12:09
